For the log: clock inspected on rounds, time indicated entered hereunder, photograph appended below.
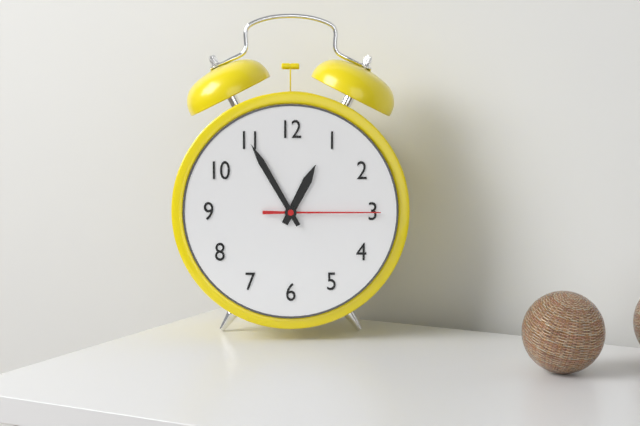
12:55:15
